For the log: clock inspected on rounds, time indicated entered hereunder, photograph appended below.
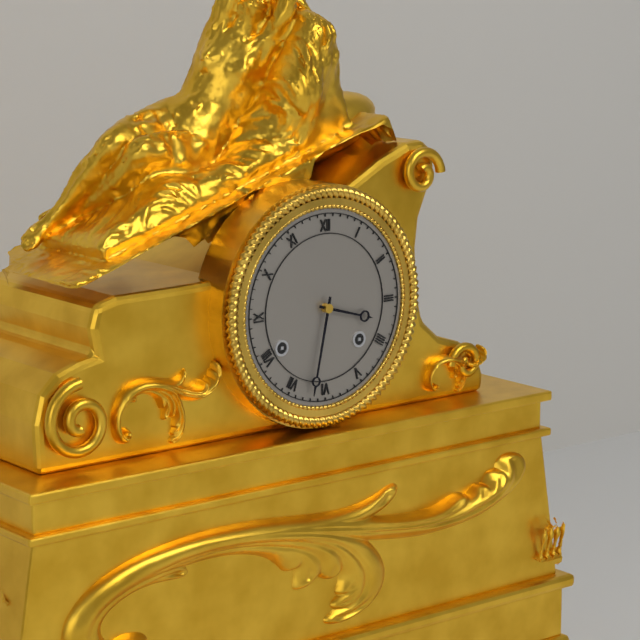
3:32
